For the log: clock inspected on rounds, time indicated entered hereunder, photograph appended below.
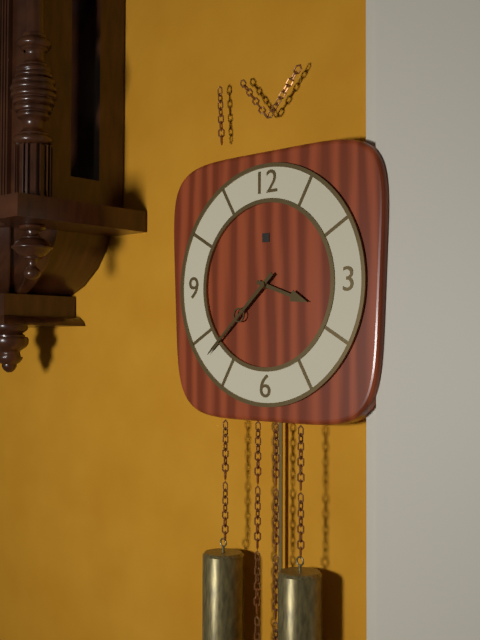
3:38
